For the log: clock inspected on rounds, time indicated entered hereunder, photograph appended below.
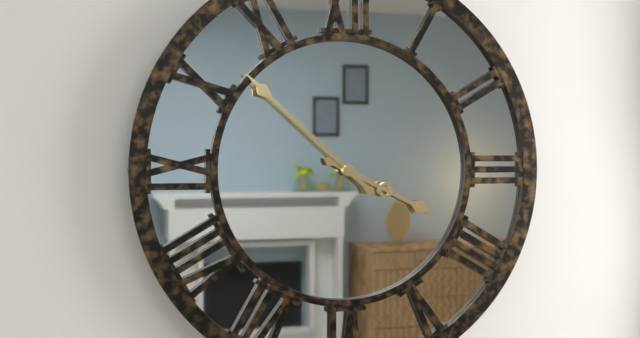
3:52
